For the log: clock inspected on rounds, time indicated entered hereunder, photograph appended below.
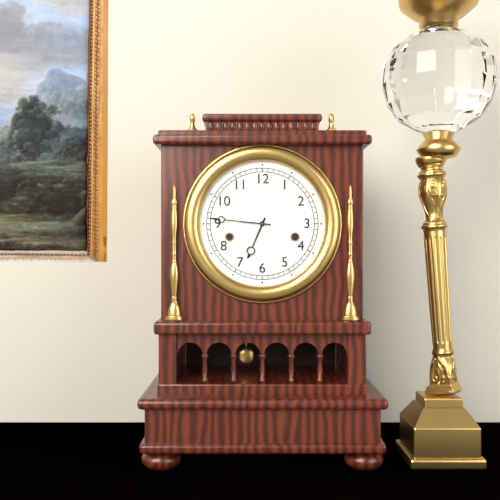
6:46
